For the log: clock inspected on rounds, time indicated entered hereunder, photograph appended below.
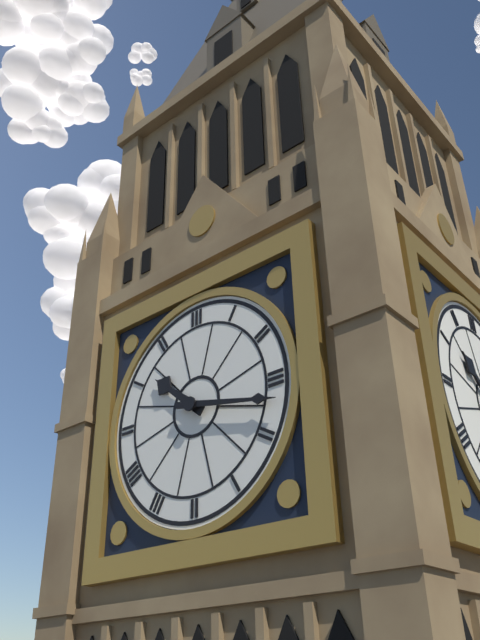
10:17
